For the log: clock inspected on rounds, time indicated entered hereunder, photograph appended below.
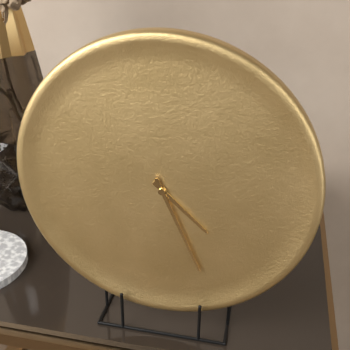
4:26
